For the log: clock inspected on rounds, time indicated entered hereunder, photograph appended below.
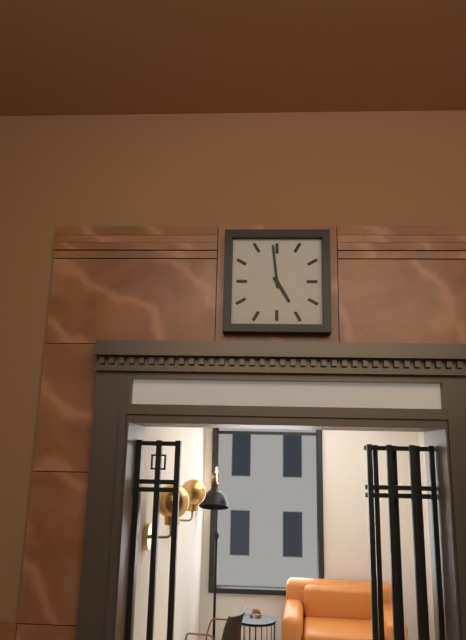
4:59
